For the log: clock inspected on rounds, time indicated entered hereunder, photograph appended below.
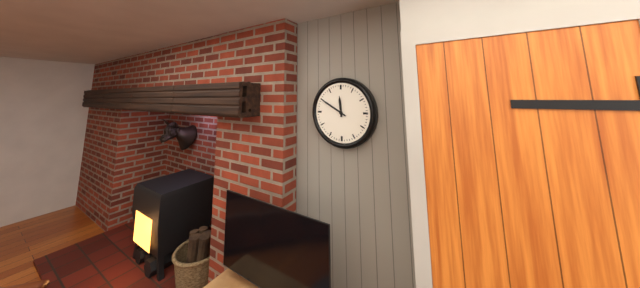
11:50
